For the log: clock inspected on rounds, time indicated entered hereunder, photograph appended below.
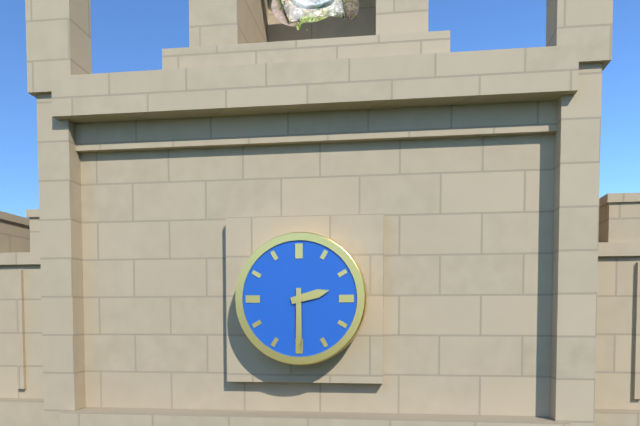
2:30
